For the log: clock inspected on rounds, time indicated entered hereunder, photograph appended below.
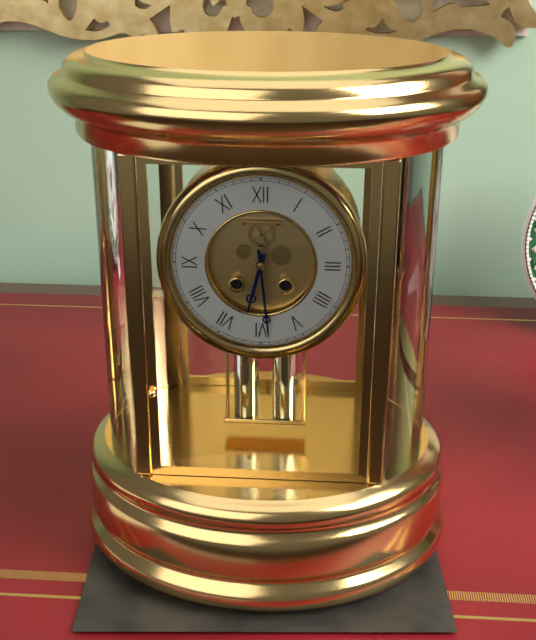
6:29
